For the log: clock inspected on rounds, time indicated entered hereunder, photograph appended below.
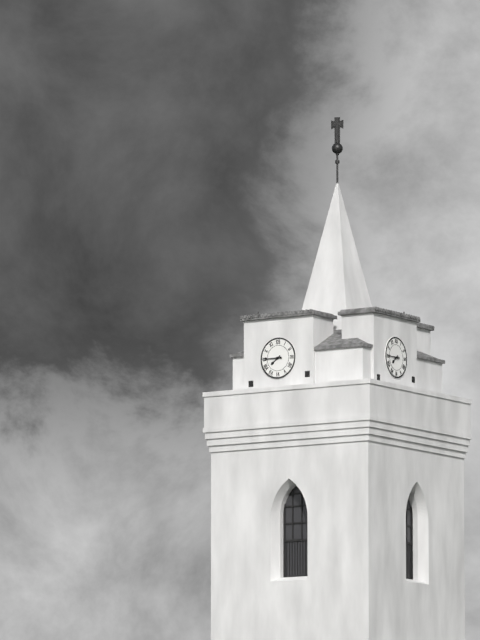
7:45
